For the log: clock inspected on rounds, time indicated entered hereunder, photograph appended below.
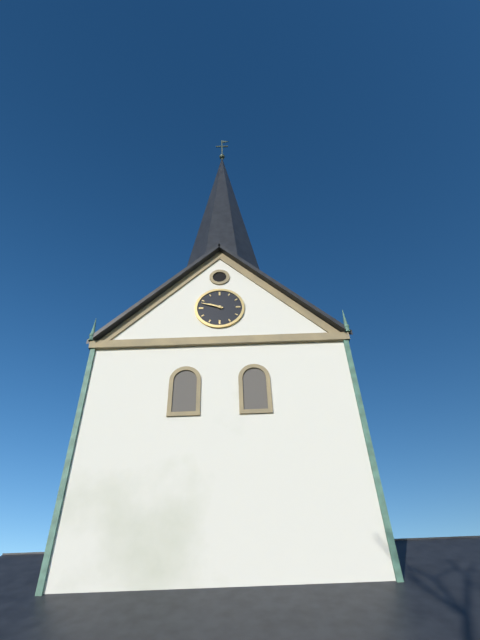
9:48
